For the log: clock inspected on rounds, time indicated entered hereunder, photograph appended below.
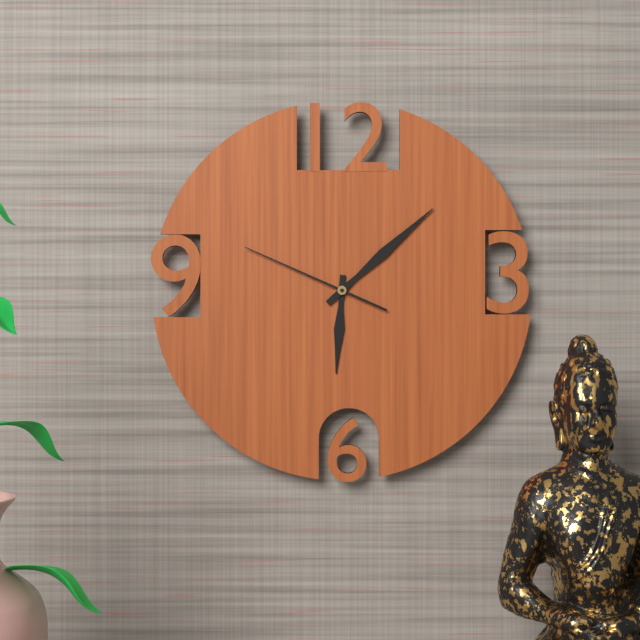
6:08:49
